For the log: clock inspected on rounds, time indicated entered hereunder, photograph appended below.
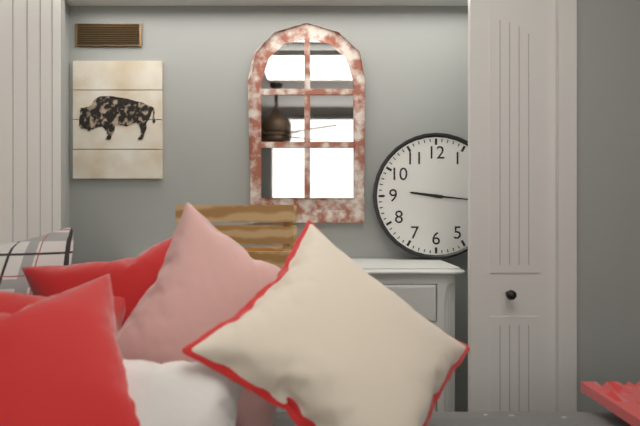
9:16
